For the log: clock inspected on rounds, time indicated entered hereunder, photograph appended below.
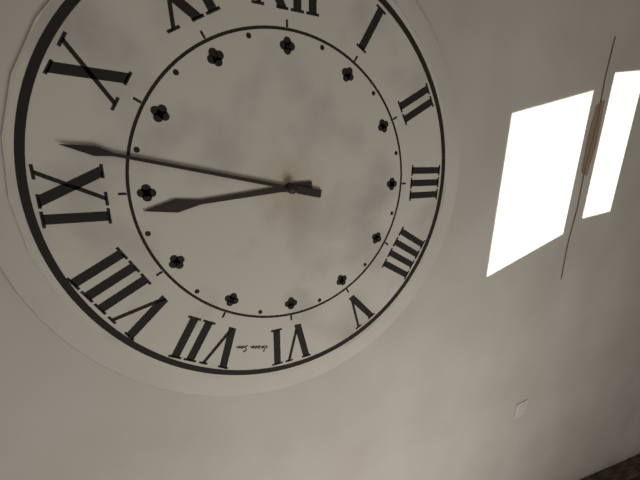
8:47
